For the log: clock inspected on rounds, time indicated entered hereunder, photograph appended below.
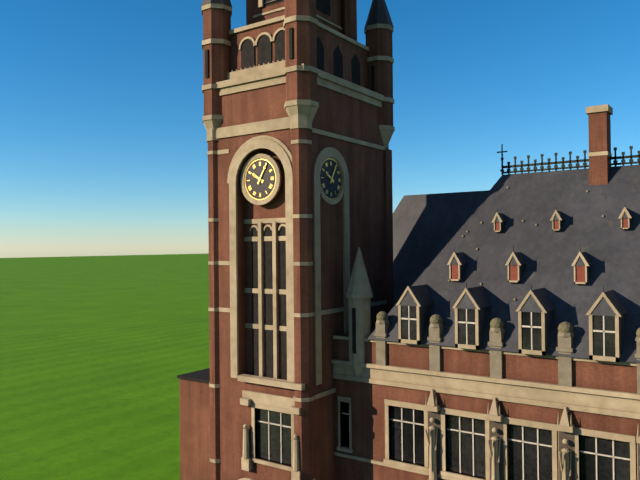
10:05
